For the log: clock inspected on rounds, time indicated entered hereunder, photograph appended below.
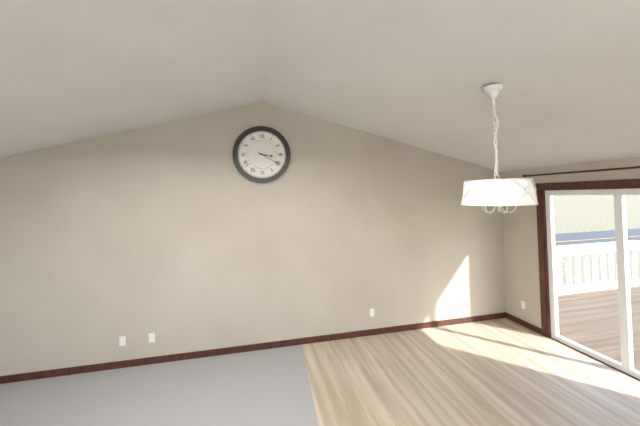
3:20
